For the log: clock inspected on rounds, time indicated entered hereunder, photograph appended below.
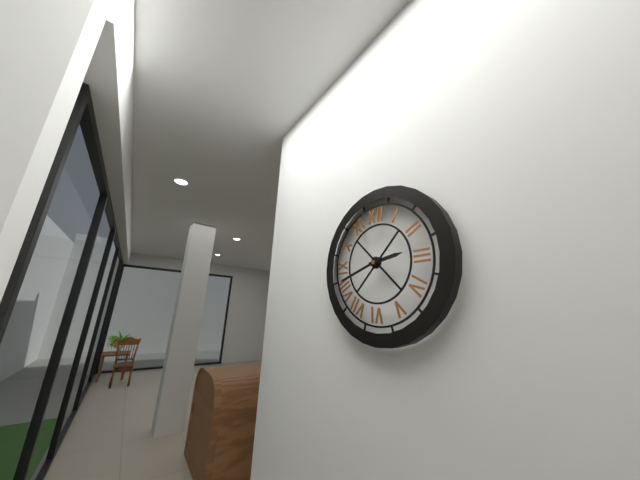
2:42
